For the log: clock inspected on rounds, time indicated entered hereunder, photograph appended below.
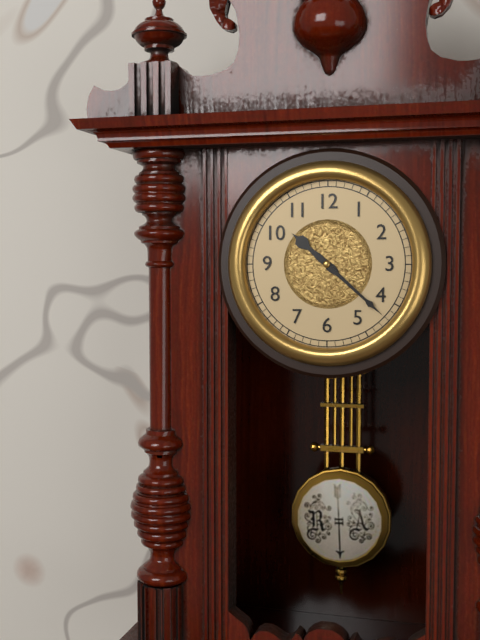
10:22
